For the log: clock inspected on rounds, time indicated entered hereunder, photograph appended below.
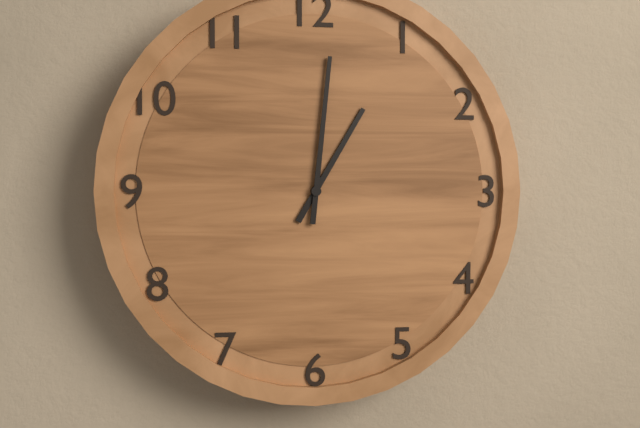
1:01
